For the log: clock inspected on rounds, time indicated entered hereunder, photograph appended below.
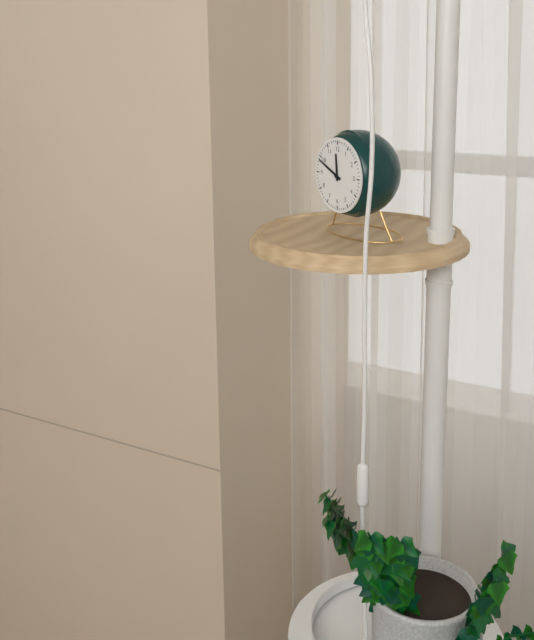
11:49
